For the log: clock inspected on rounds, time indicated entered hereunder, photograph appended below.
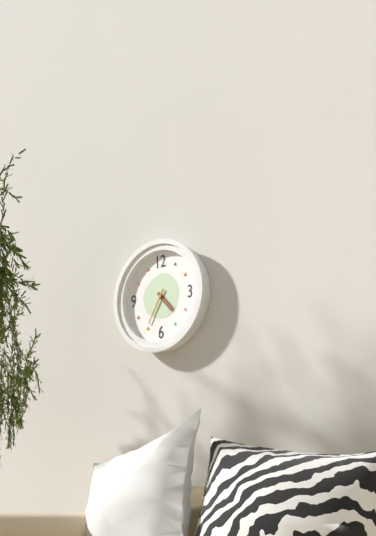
4:35
